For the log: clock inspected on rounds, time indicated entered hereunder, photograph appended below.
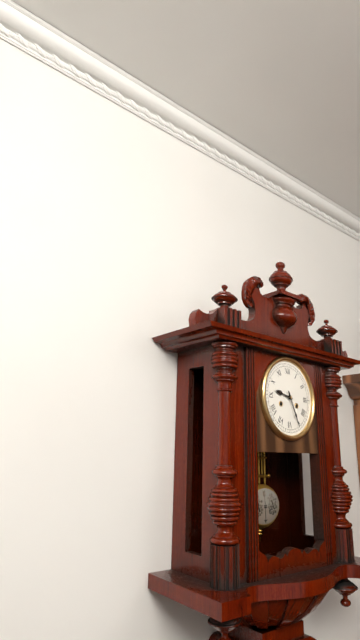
9:26
